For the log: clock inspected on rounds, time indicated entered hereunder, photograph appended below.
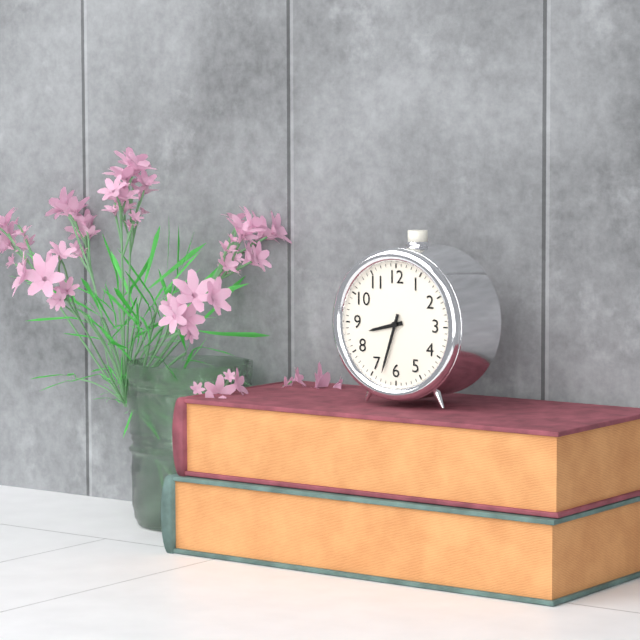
8:33
